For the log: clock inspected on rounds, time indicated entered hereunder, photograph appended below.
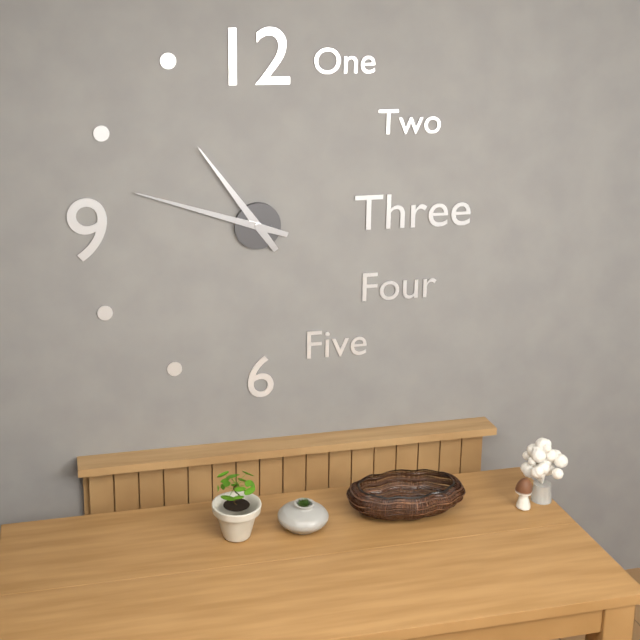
10:48
